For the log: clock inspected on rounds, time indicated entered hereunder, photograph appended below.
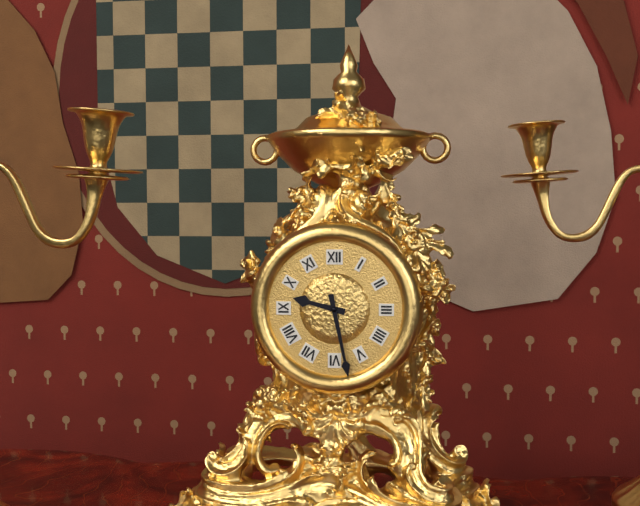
9:28
